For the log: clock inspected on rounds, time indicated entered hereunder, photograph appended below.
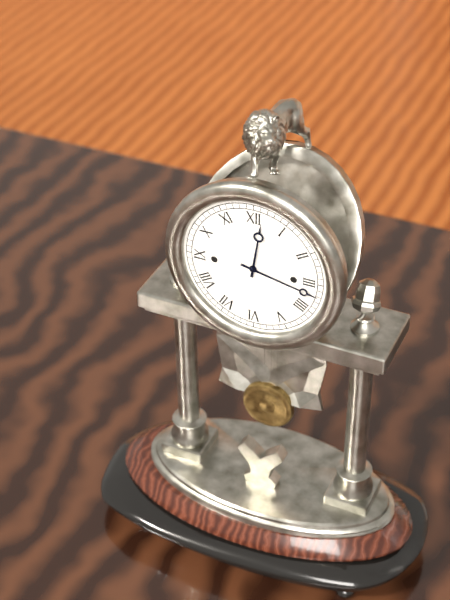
12:17
